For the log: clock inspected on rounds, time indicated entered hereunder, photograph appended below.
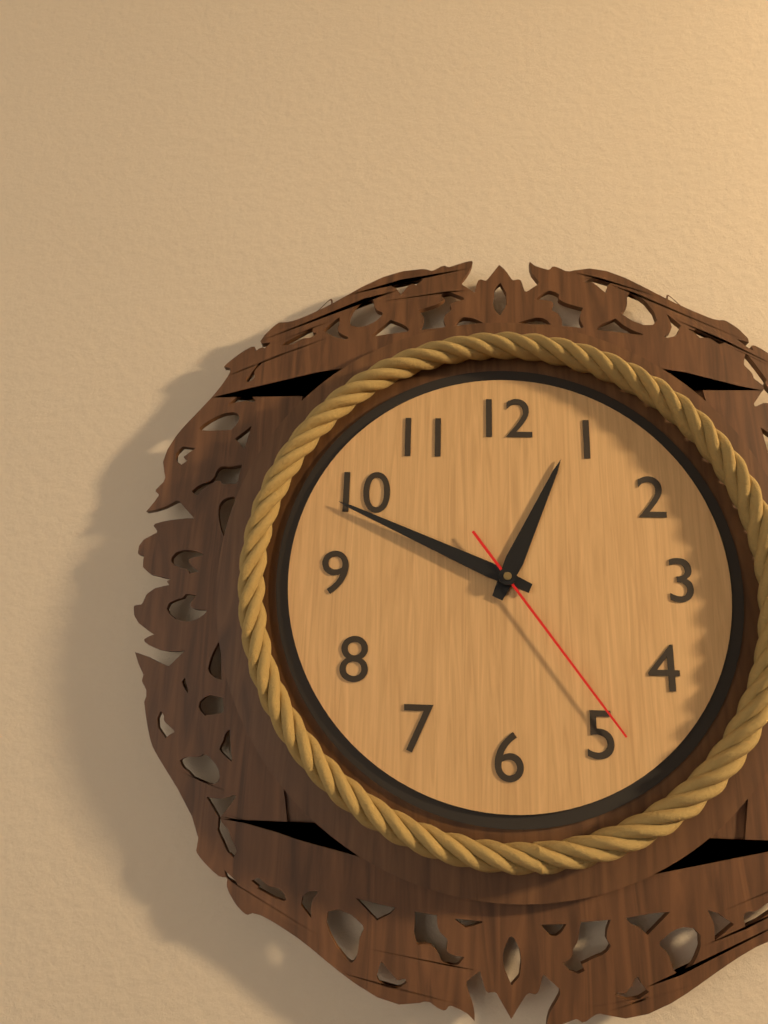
12:49:24
